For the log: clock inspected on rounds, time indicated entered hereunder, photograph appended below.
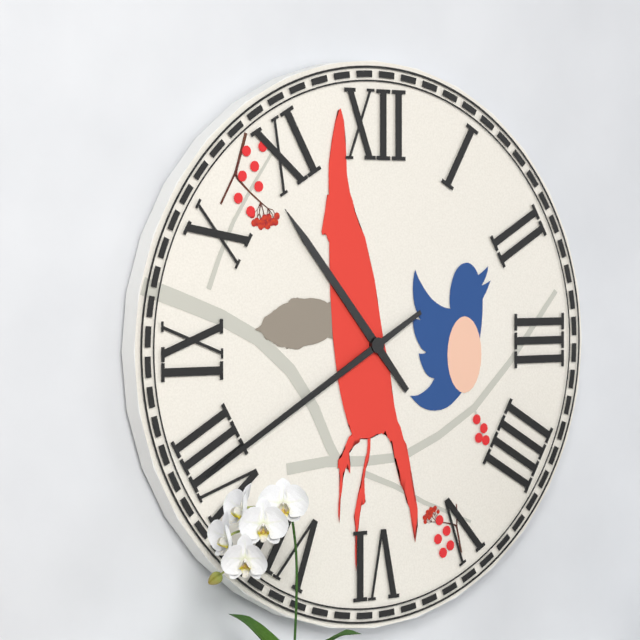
10:40
